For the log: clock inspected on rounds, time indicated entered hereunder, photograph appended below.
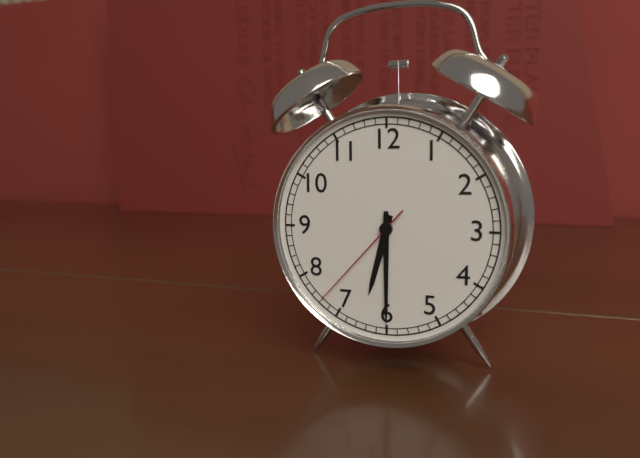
6:30:37
